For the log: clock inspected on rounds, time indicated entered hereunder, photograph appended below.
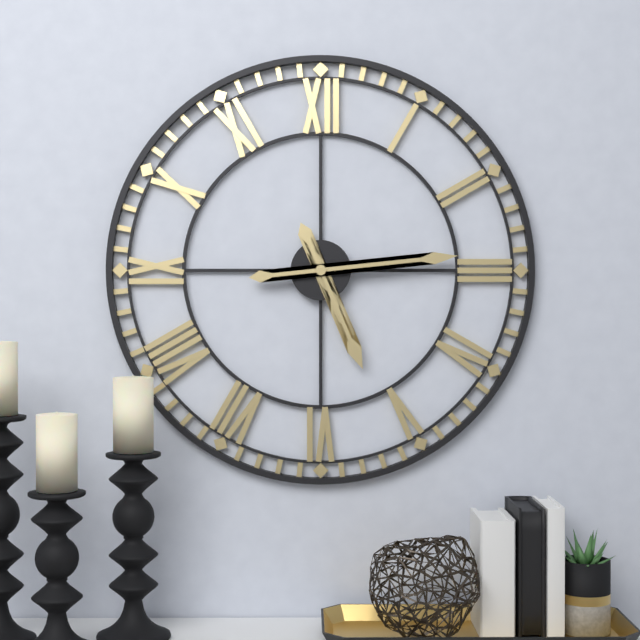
5:14
